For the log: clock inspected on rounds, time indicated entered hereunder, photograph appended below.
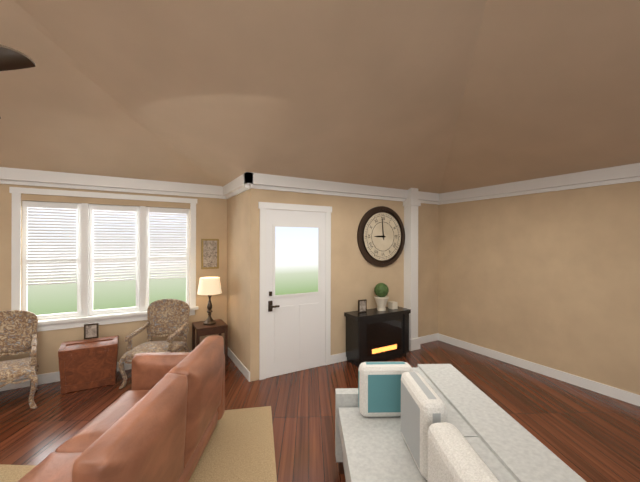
8:59
